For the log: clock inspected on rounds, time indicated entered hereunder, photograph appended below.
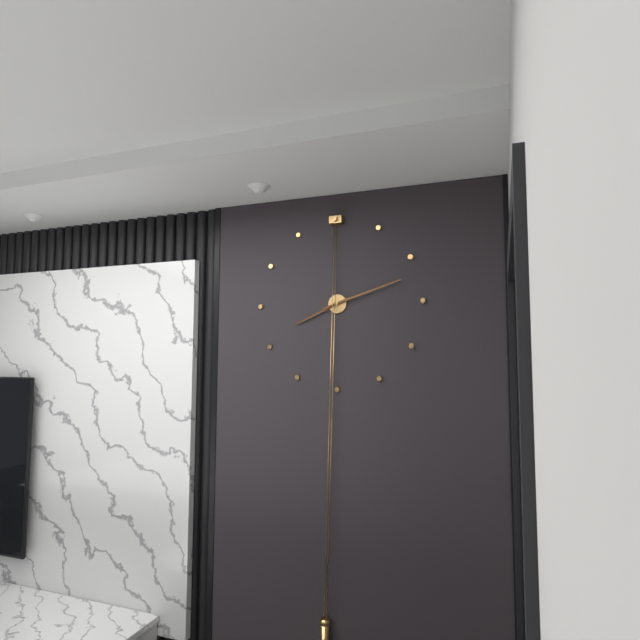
8:12
